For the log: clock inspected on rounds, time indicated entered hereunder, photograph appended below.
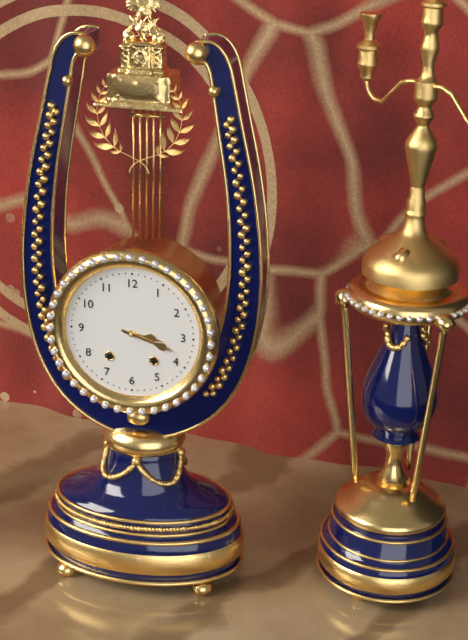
3:18
